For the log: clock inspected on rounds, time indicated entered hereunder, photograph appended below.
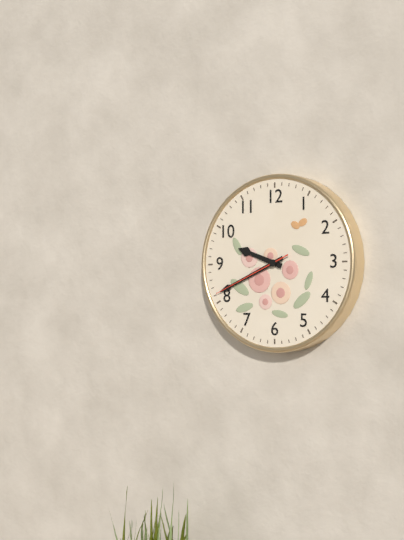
9:41:41
